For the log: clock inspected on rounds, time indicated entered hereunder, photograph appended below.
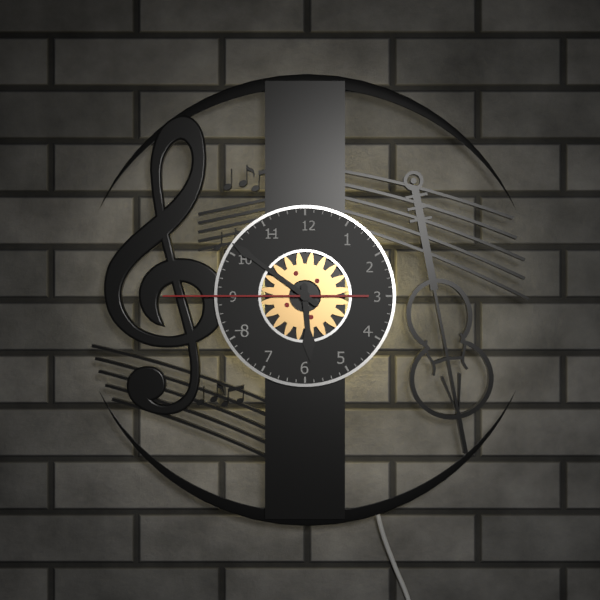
5:51:45
